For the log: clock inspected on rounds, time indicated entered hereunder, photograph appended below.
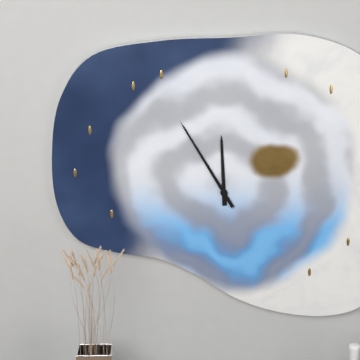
11:55
